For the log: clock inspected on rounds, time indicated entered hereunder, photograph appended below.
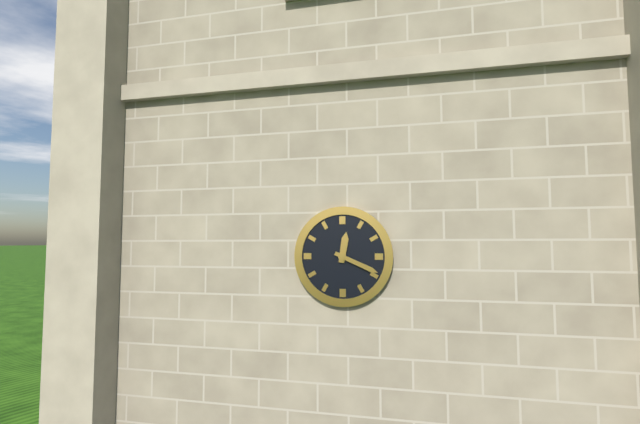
12:19
